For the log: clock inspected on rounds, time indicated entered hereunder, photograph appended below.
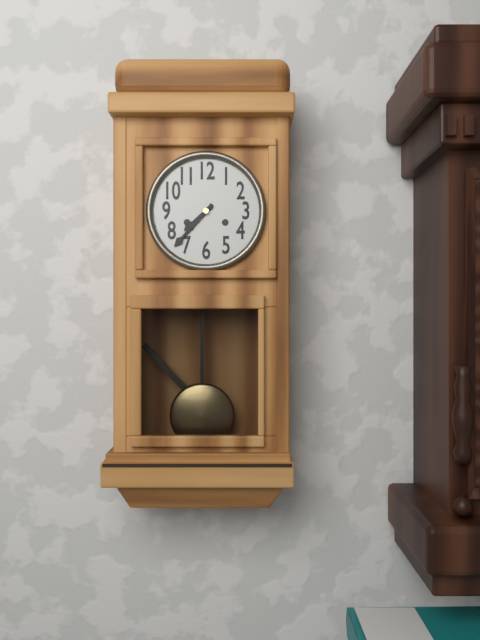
7:37
